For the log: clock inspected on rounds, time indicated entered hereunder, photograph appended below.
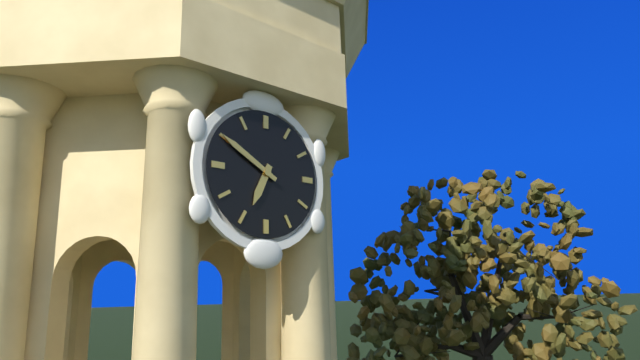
6:50
